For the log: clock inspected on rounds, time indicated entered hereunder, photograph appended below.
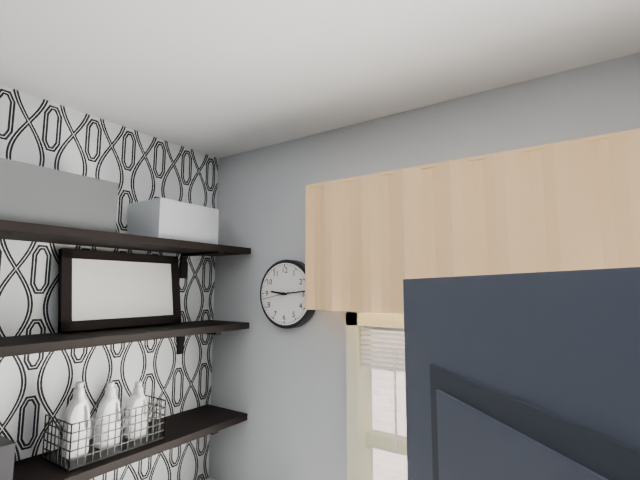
9:14
